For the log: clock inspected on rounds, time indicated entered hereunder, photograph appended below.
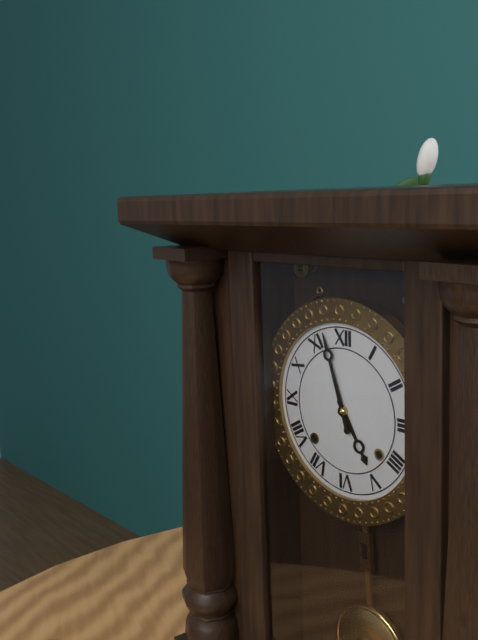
4:57
